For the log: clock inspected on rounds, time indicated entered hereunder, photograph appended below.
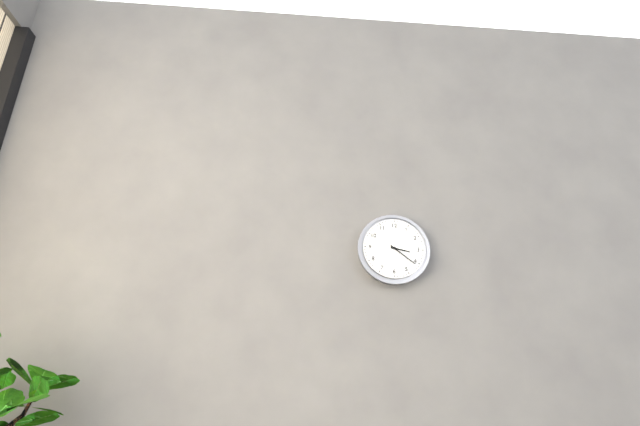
3:21
